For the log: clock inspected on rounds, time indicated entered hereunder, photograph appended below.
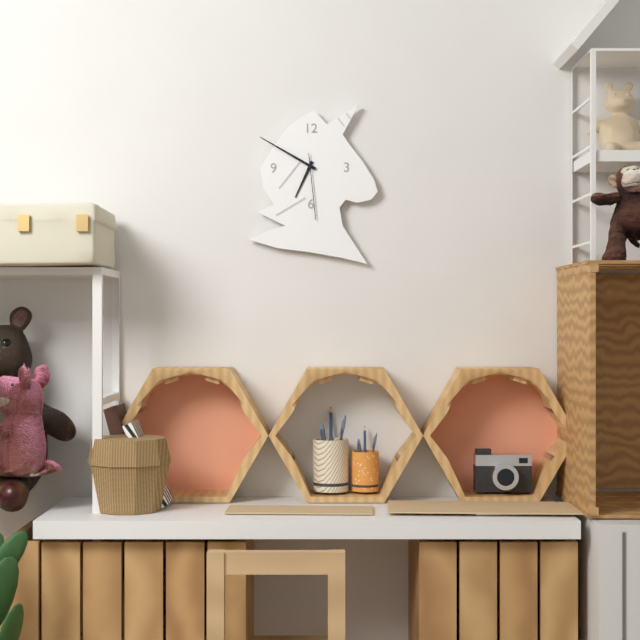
6:50:29
